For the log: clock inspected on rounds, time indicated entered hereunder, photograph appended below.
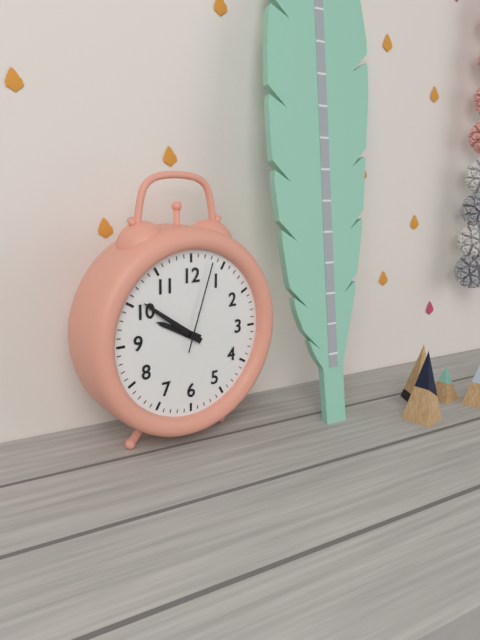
9:51:03
